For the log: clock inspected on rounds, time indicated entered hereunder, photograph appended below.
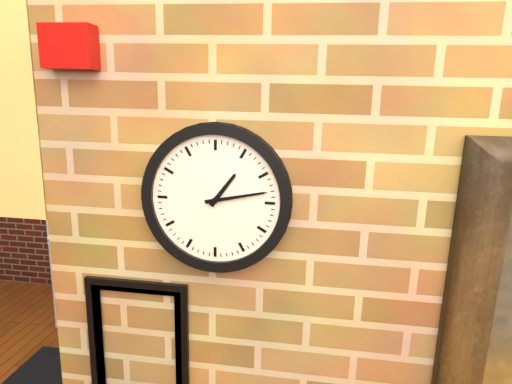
1:13
